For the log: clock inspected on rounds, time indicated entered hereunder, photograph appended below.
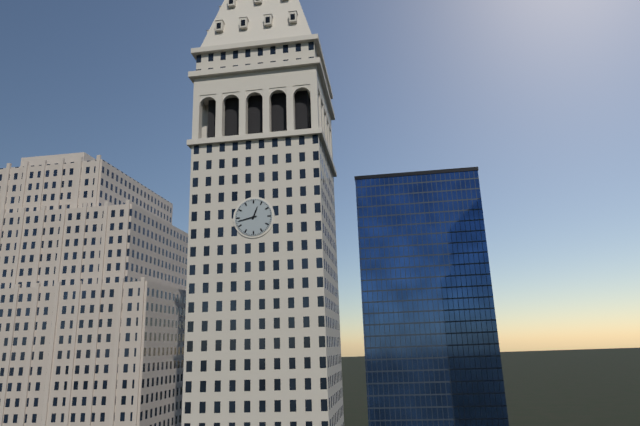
12:43
